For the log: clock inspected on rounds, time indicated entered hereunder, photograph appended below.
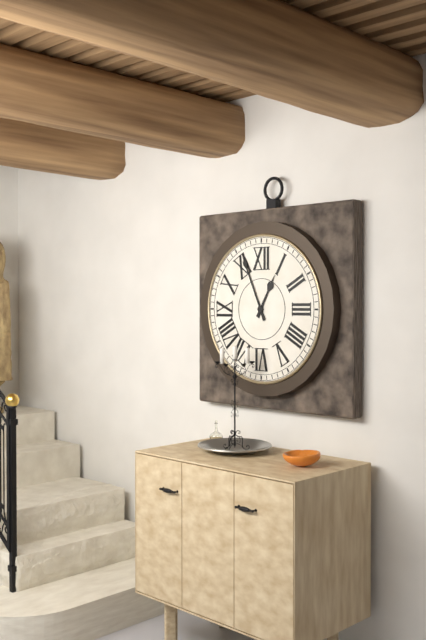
12:56
